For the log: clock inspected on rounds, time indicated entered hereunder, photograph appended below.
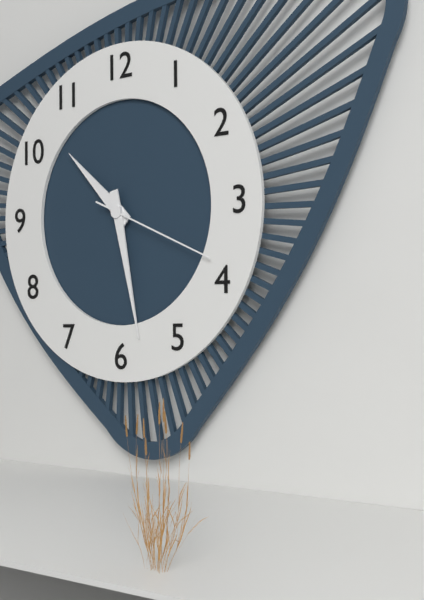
10:28:19
